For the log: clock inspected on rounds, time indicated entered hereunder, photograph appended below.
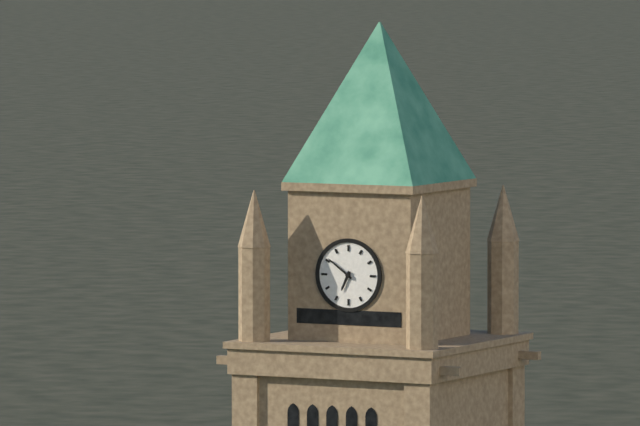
6:51
